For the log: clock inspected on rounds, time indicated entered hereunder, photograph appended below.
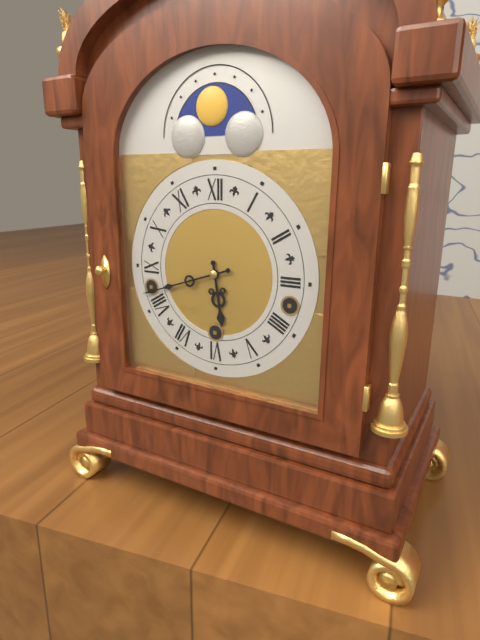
5:42
